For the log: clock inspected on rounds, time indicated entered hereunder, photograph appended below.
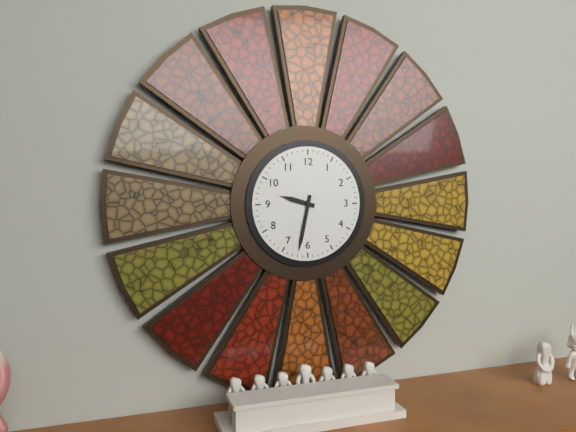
9:32
